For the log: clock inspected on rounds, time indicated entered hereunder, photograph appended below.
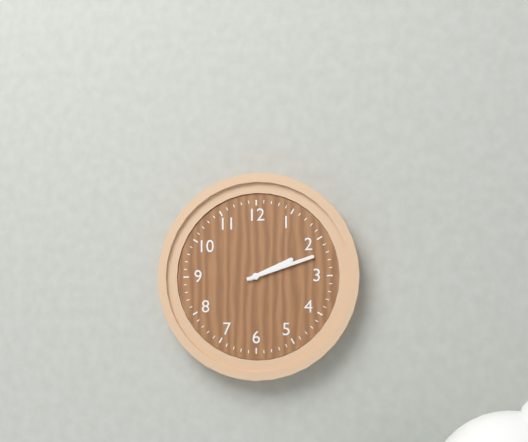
2:12
